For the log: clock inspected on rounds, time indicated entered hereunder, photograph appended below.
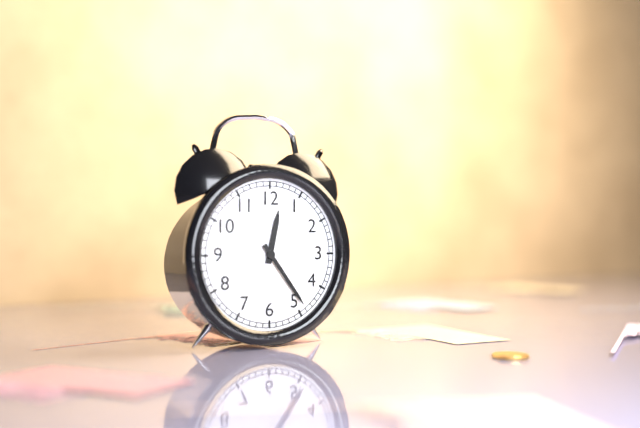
12:24
